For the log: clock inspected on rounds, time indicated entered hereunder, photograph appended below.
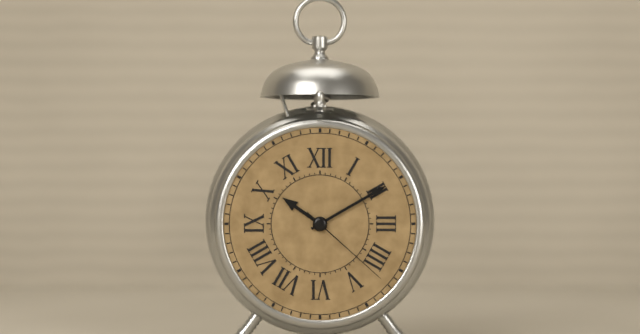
10:10:22
